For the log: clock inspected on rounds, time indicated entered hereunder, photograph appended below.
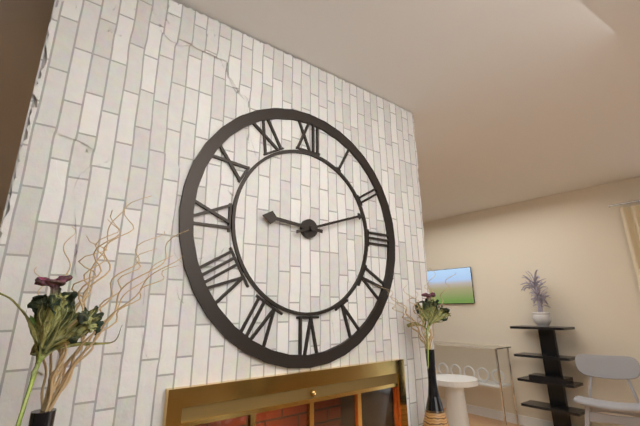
9:12
